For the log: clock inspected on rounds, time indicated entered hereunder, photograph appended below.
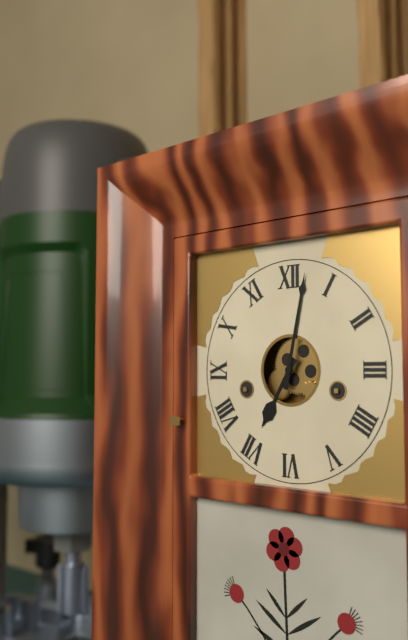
7:02
